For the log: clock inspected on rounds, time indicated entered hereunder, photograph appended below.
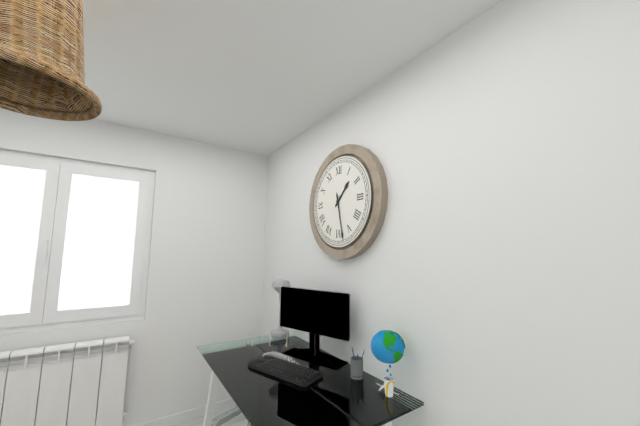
1:28
